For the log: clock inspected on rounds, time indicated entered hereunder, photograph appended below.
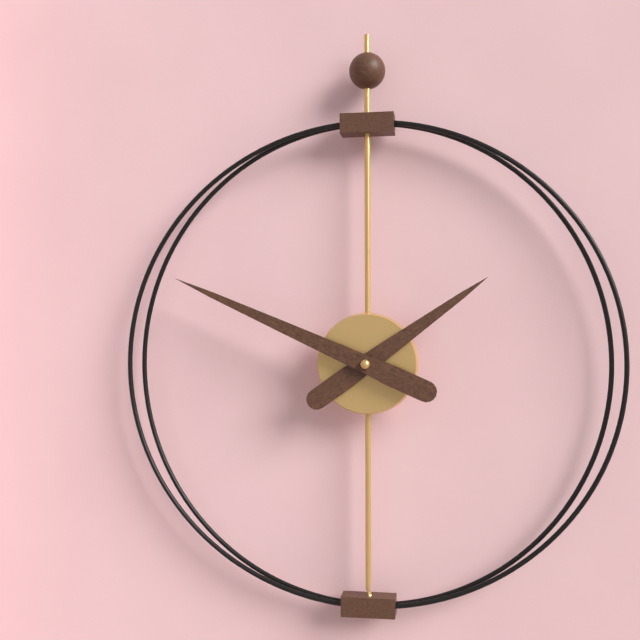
1:49
